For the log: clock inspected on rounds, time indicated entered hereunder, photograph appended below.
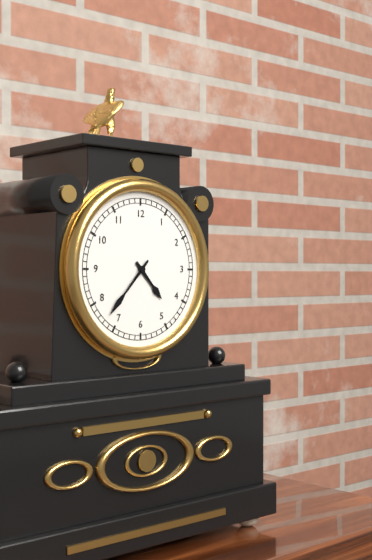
4:37
